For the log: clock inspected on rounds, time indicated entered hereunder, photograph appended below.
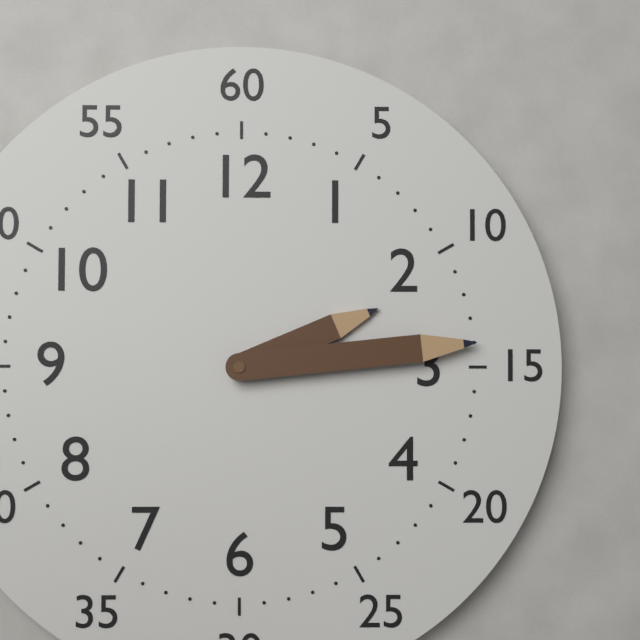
2:14
